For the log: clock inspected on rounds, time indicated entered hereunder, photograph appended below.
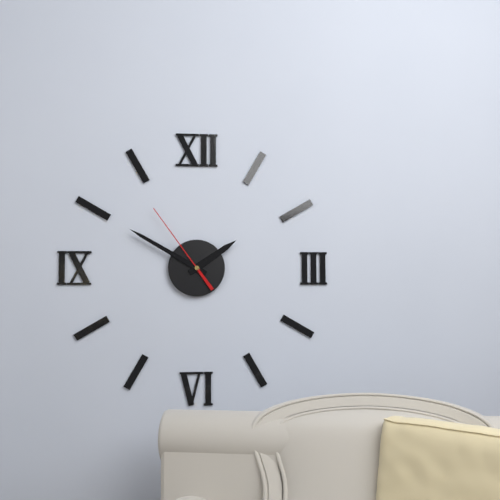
1:50:54
